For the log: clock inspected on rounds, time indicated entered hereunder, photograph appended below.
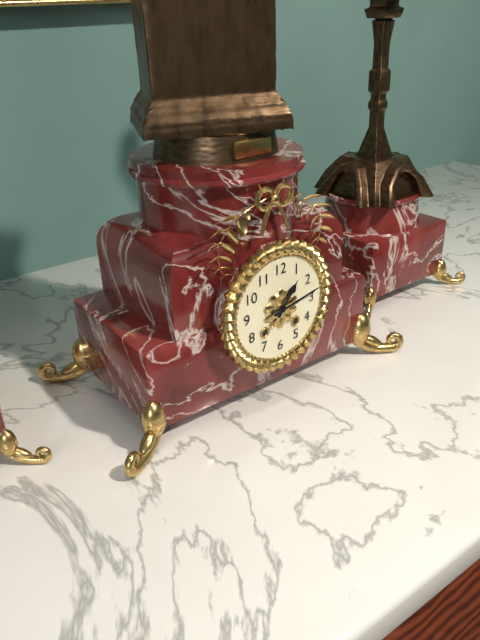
1:13
